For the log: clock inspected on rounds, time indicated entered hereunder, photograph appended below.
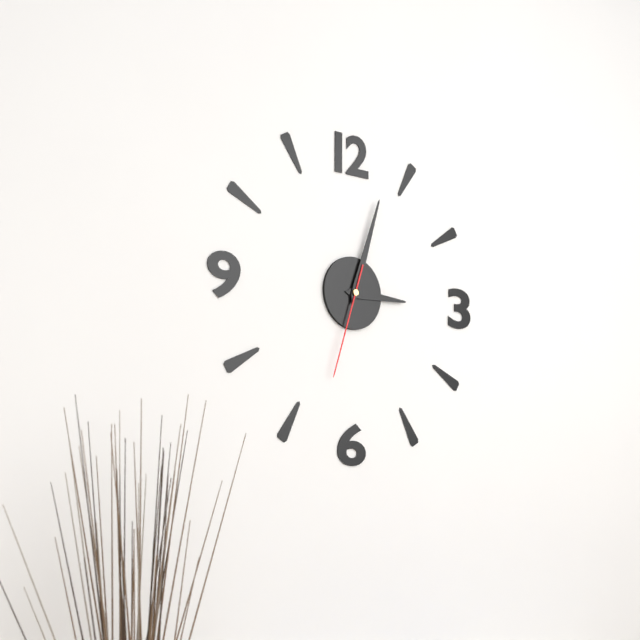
3:03:33
